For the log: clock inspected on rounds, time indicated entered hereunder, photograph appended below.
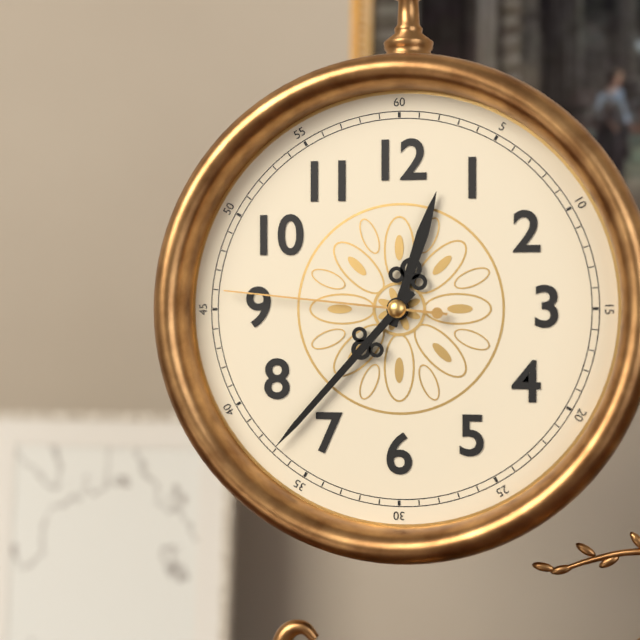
12:37:46
